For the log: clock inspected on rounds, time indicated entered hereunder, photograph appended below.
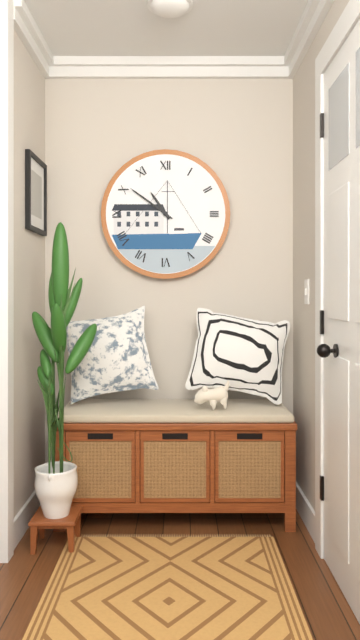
10:51
